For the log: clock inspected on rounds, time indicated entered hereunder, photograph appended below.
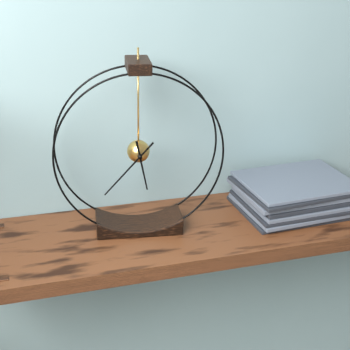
5:37
